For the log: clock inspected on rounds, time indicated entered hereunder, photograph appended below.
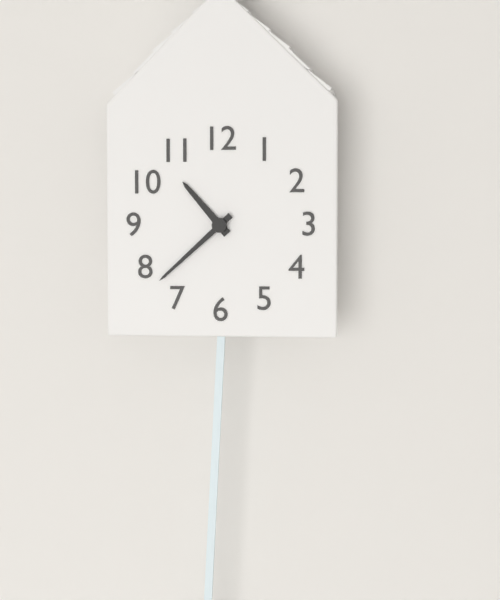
10:38
